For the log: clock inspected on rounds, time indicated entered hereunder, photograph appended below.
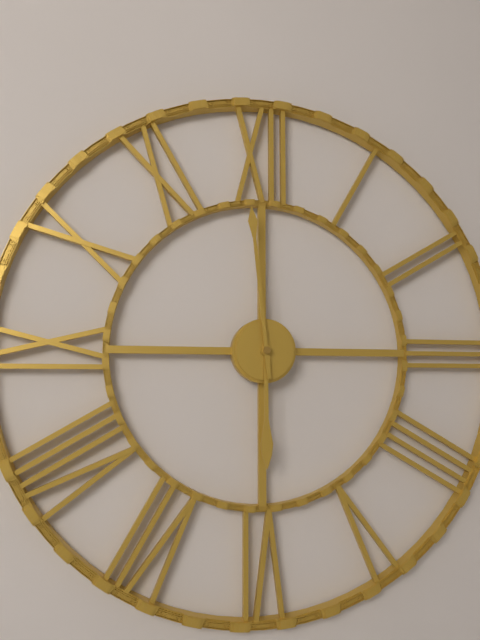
5:59
